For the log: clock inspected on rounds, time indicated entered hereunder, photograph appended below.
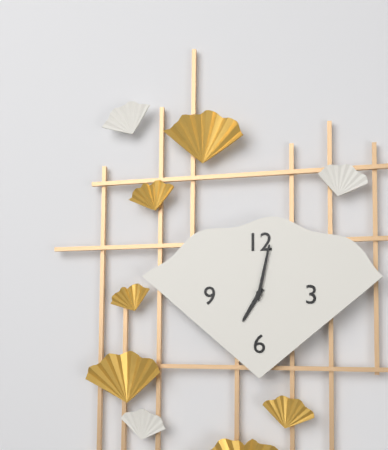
7:02
